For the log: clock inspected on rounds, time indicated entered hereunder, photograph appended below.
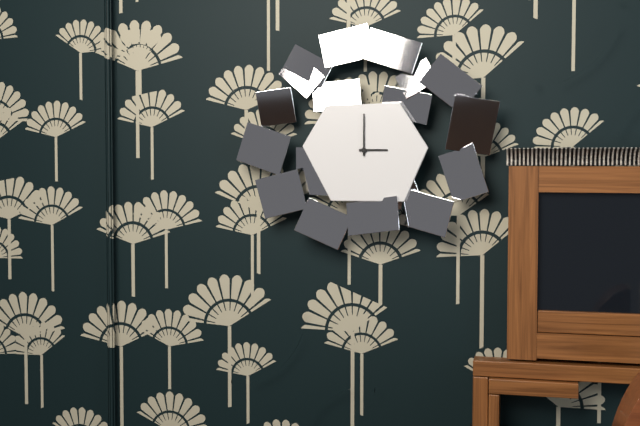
3:00
